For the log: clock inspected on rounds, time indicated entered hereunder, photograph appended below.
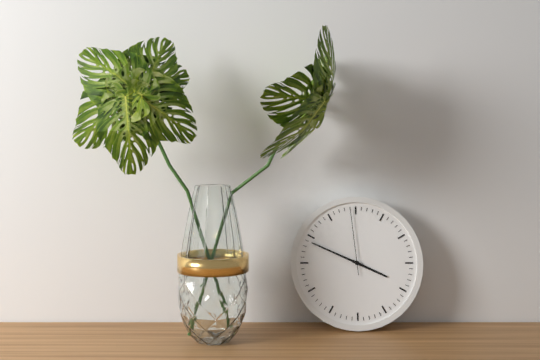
3:49:59
